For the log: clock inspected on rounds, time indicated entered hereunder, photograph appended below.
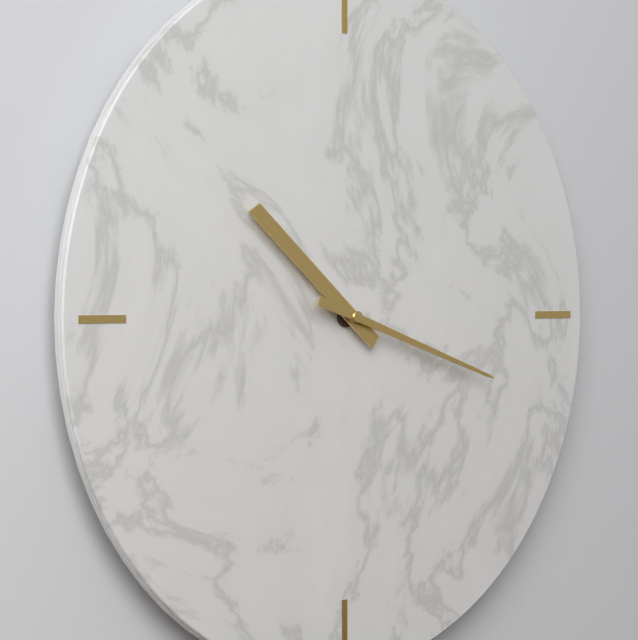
10:18
